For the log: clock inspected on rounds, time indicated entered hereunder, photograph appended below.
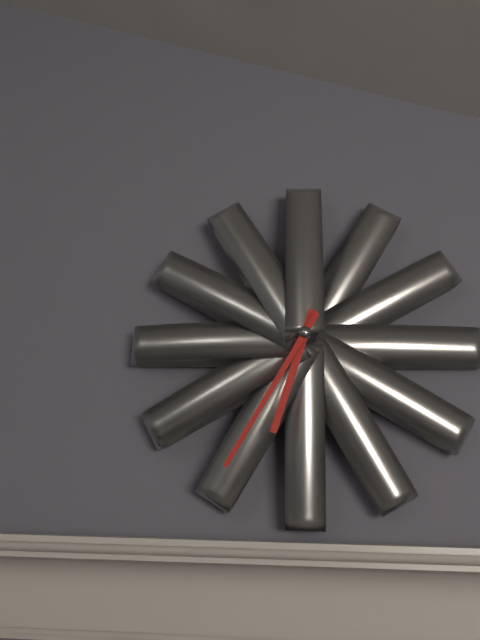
6:35
